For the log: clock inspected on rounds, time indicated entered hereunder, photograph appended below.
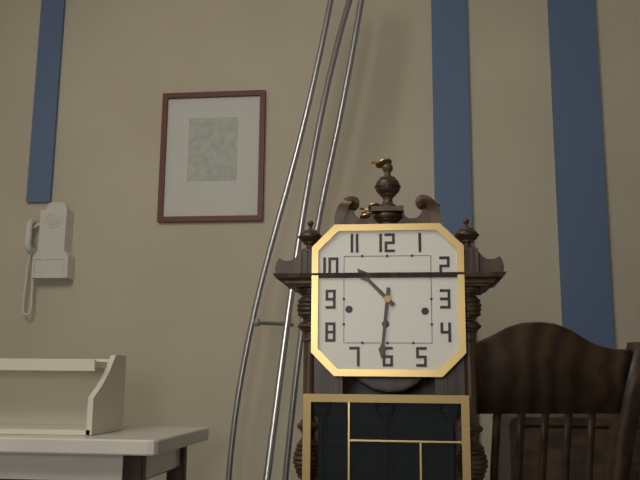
10:31
